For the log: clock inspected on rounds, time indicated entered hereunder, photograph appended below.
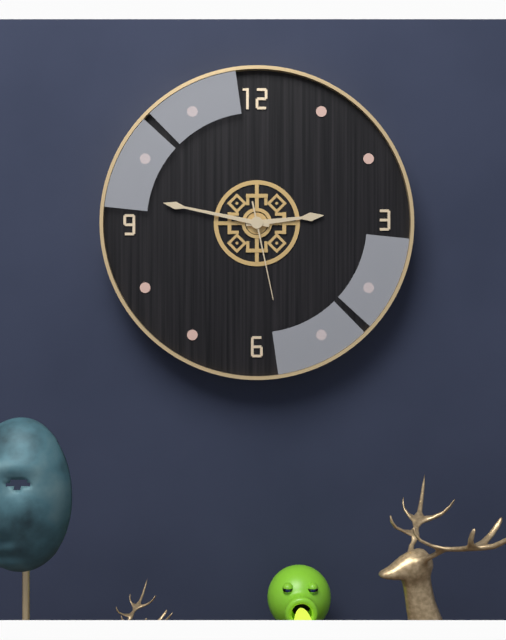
2:47:28
